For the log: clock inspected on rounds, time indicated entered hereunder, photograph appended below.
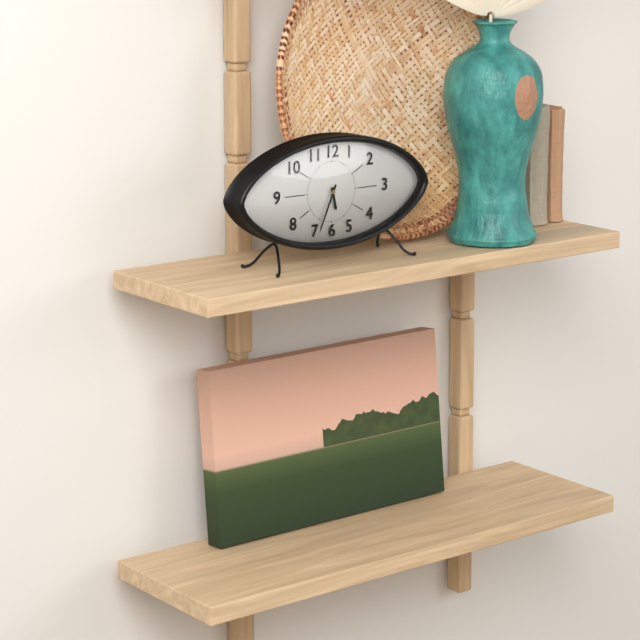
5:34
